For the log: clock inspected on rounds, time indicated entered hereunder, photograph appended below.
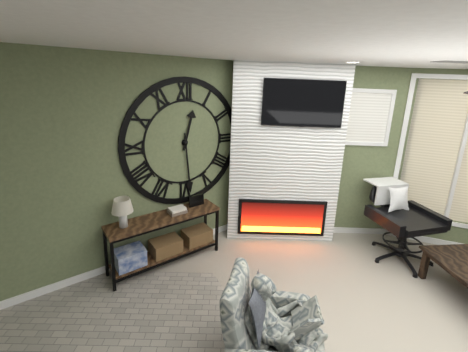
12:29
